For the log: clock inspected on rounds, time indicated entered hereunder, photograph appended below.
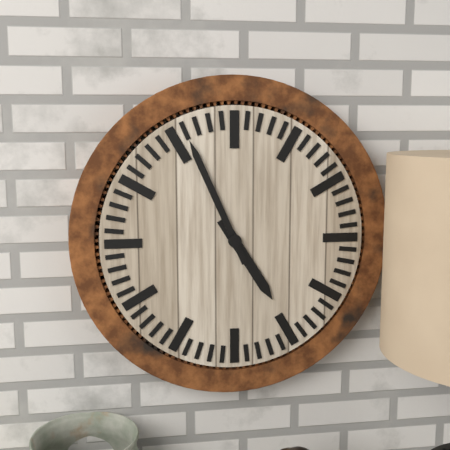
4:56
